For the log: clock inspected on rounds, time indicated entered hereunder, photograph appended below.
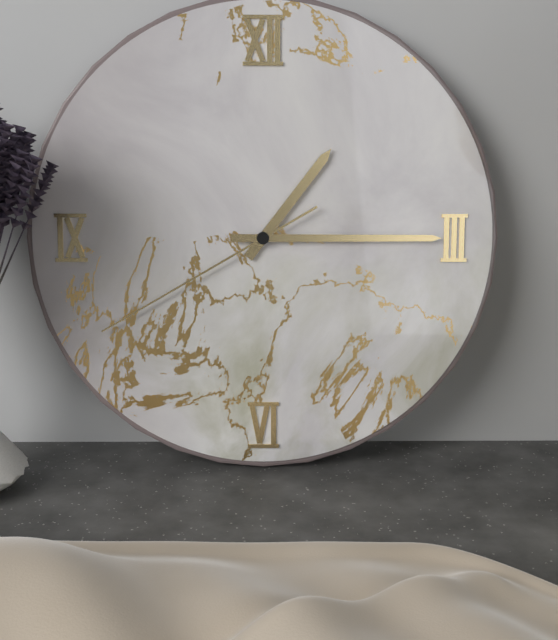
1:15:40
